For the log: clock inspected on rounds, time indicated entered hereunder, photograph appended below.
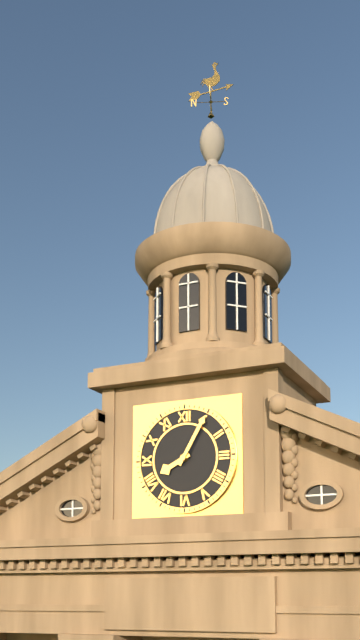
8:05
